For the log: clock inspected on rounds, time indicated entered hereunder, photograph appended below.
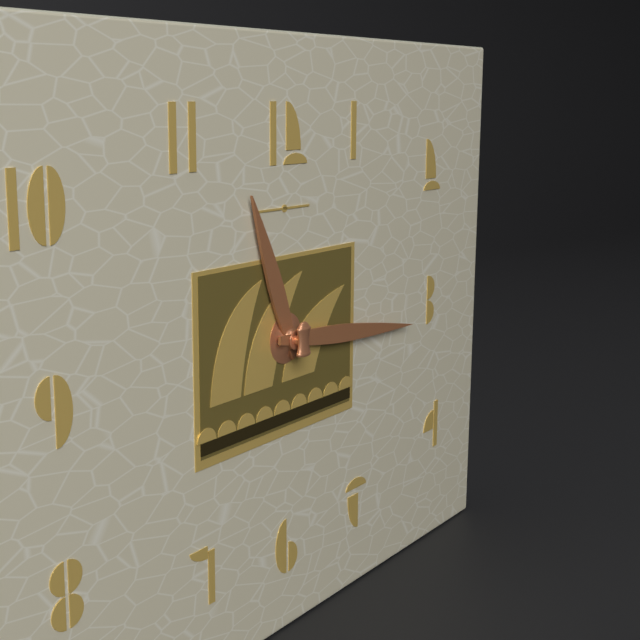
11:16
